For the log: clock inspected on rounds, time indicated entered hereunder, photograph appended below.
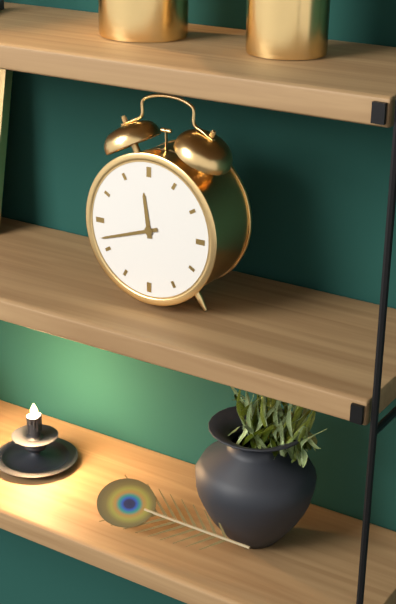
11:42
